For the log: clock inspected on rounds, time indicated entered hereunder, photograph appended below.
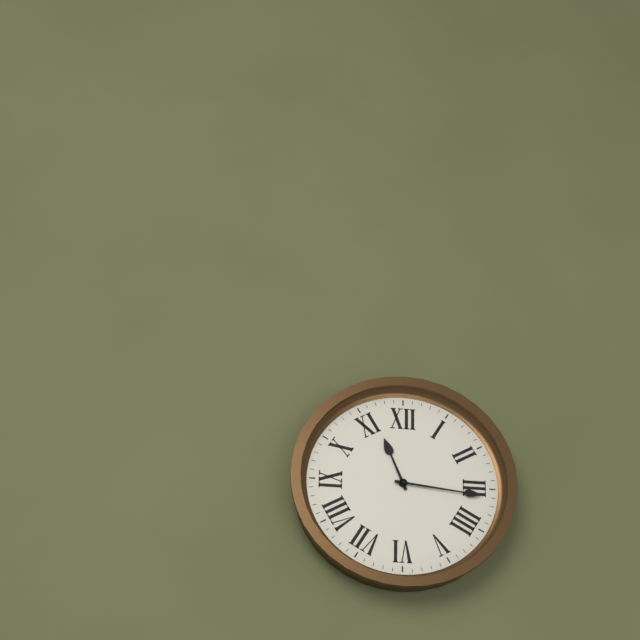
11:16
